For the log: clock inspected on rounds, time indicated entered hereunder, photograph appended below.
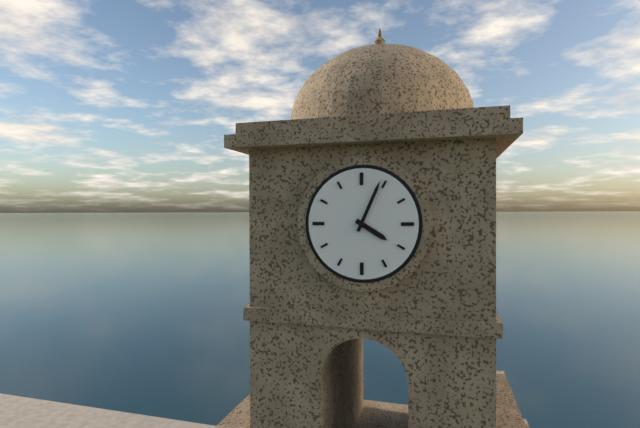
4:04
